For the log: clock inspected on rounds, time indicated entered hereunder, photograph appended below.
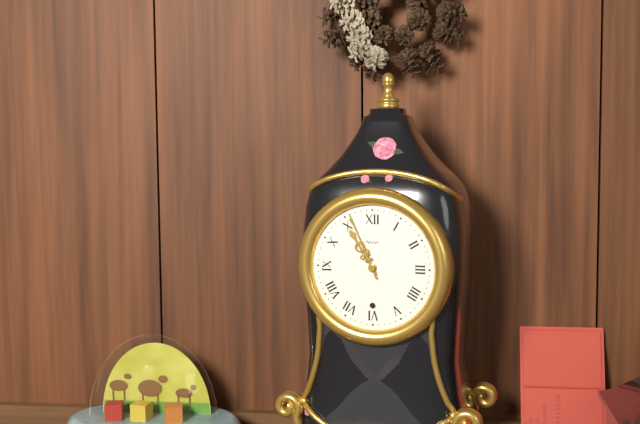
10:56
